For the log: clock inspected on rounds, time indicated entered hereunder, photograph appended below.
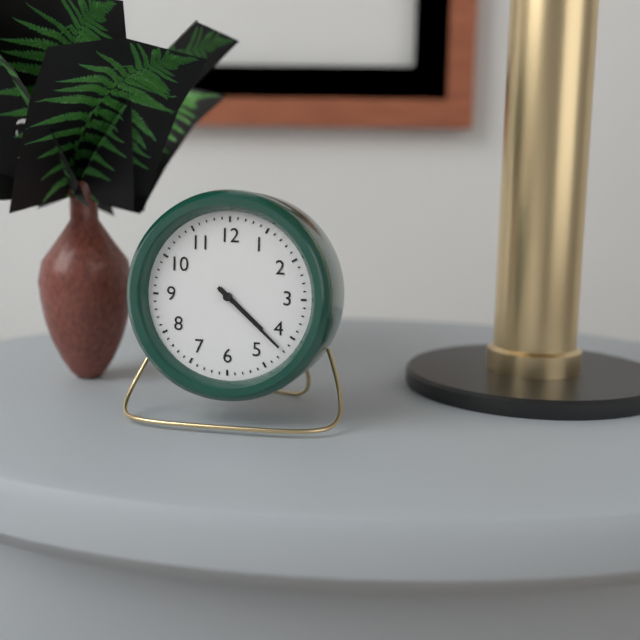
4:22
